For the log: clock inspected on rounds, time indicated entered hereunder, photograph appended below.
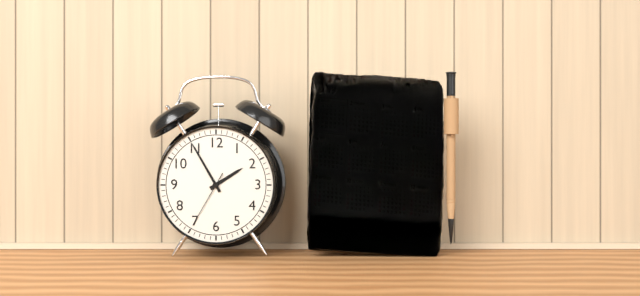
1:55:35
